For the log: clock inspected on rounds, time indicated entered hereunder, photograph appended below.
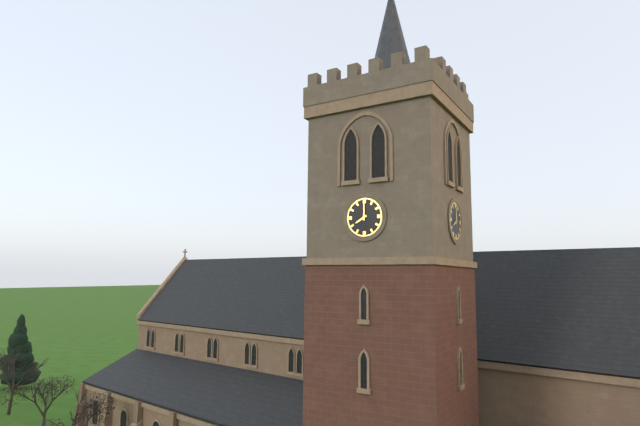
8:00
